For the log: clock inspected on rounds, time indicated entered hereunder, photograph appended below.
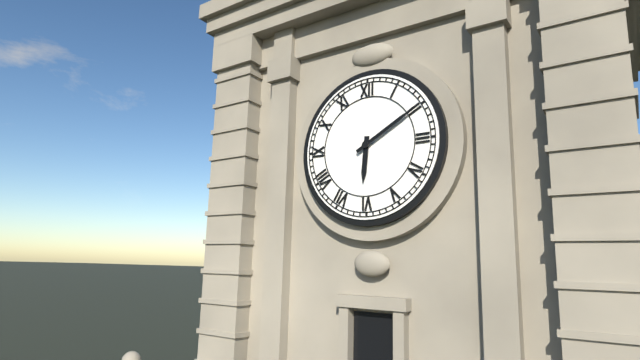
6:10
